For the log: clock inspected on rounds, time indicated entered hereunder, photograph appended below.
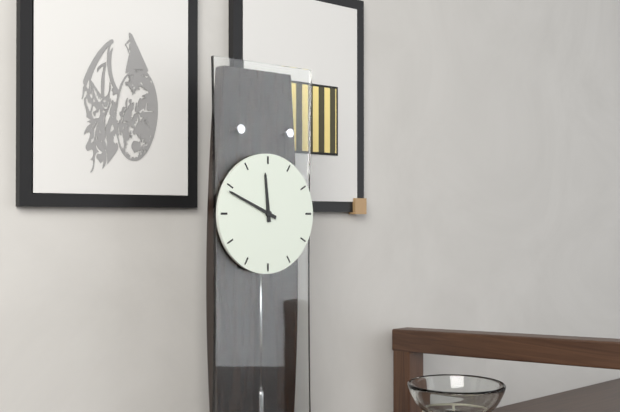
11:49
